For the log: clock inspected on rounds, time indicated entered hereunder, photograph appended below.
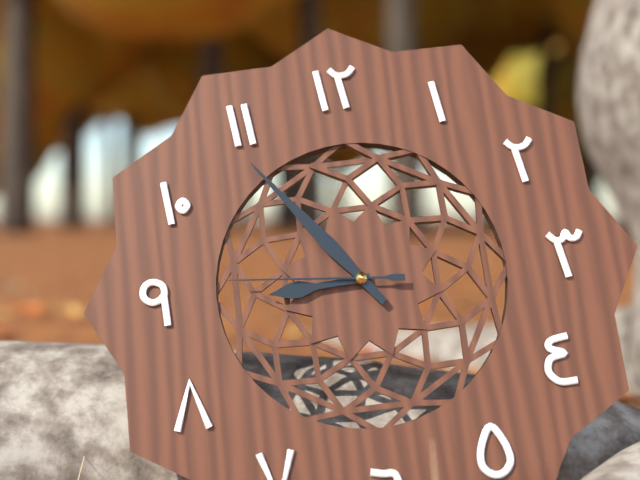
8:54:46
